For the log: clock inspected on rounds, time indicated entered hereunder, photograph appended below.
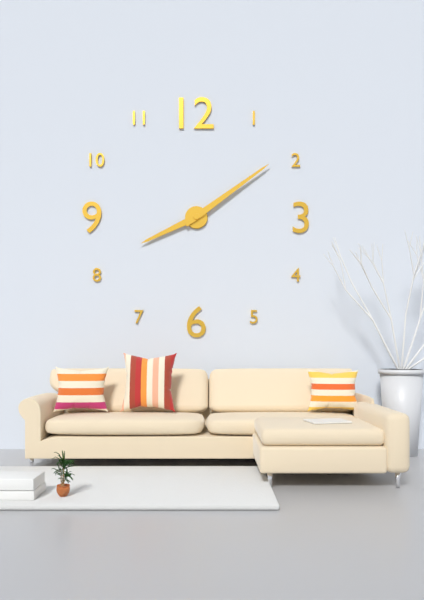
8:09
